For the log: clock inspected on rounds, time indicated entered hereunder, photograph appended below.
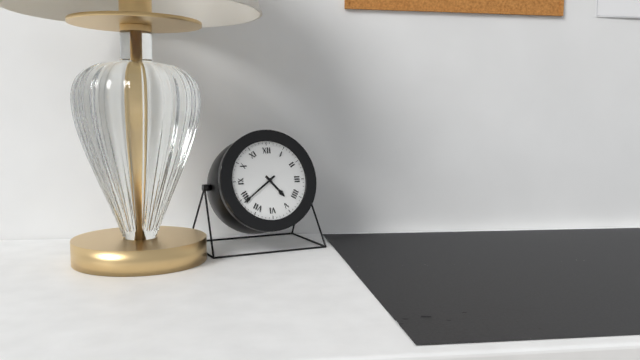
4:39
